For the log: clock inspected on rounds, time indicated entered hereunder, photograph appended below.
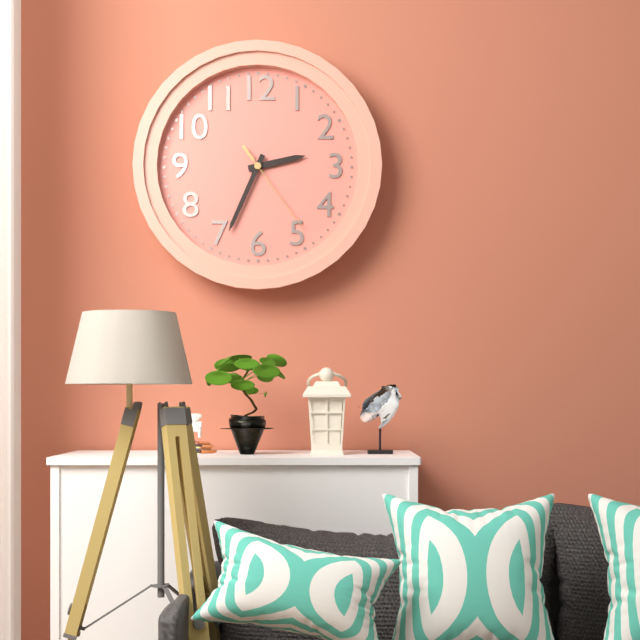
2:34:24
